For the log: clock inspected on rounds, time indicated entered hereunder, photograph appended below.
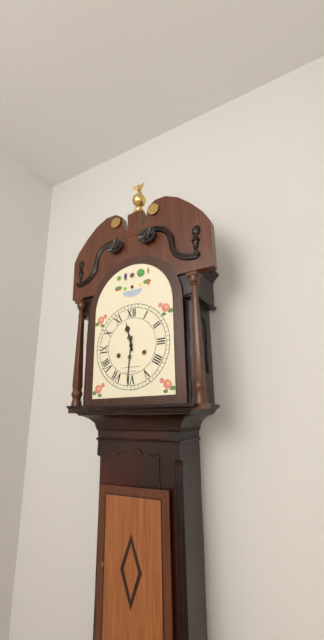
11:31
